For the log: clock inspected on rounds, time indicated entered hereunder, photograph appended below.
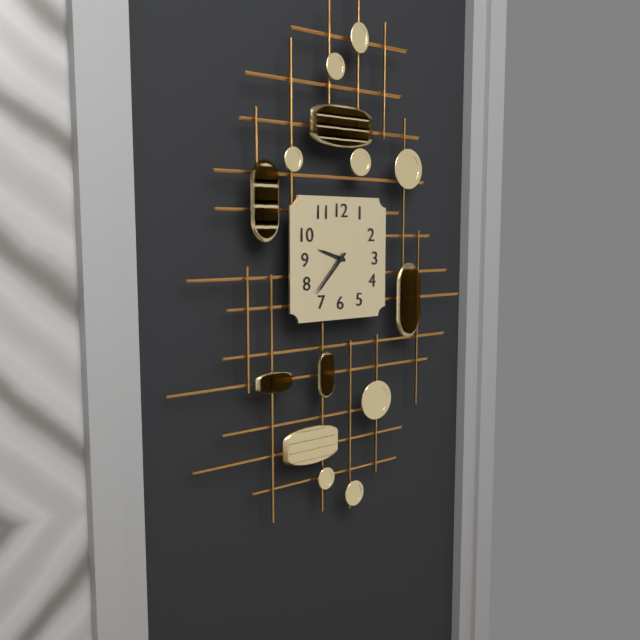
9:37
